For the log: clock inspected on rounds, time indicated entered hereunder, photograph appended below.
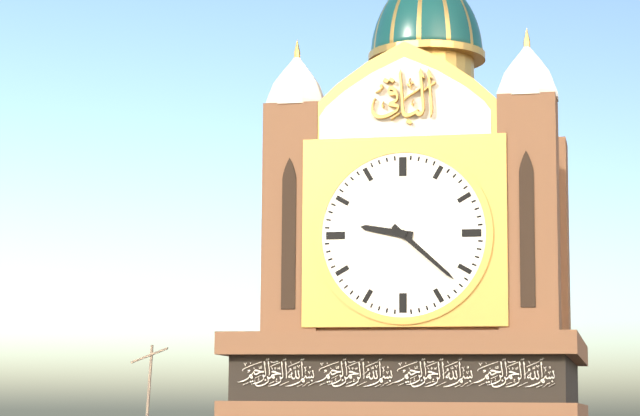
9:22
